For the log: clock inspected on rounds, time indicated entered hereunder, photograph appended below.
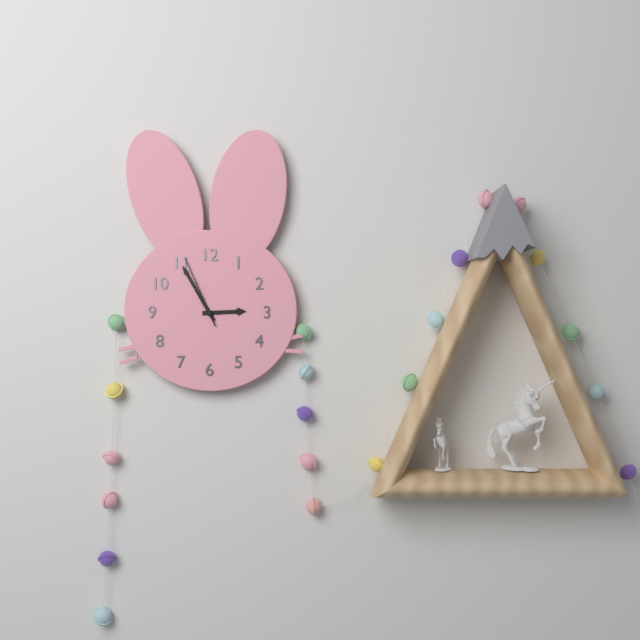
2:55:56
